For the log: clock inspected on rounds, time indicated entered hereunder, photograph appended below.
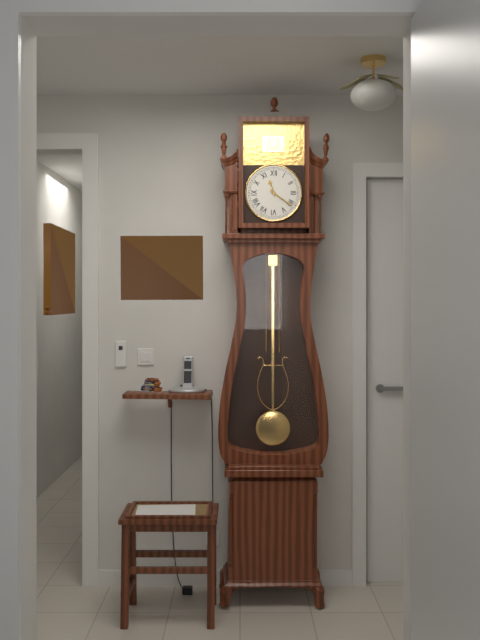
11:21
